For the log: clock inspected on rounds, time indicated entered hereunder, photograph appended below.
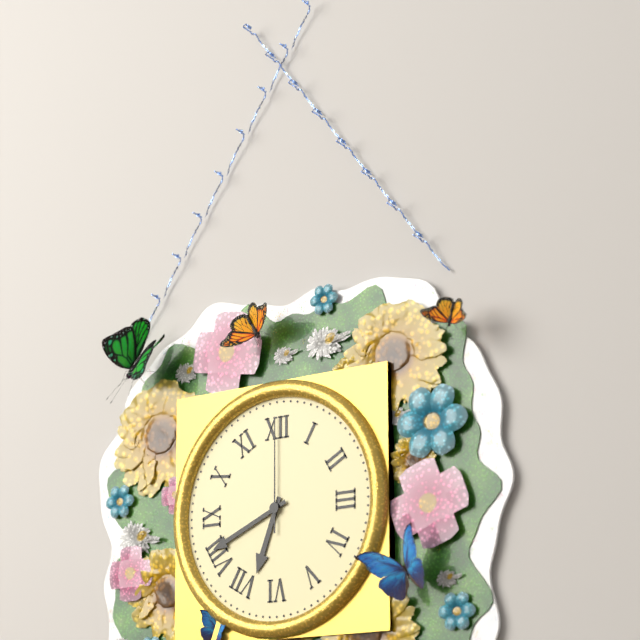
6:41:00
